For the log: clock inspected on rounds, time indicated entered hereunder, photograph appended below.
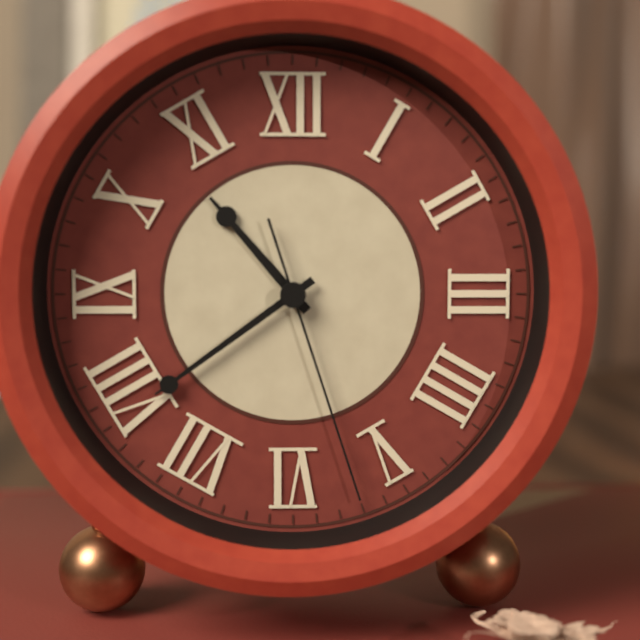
10:39:27
